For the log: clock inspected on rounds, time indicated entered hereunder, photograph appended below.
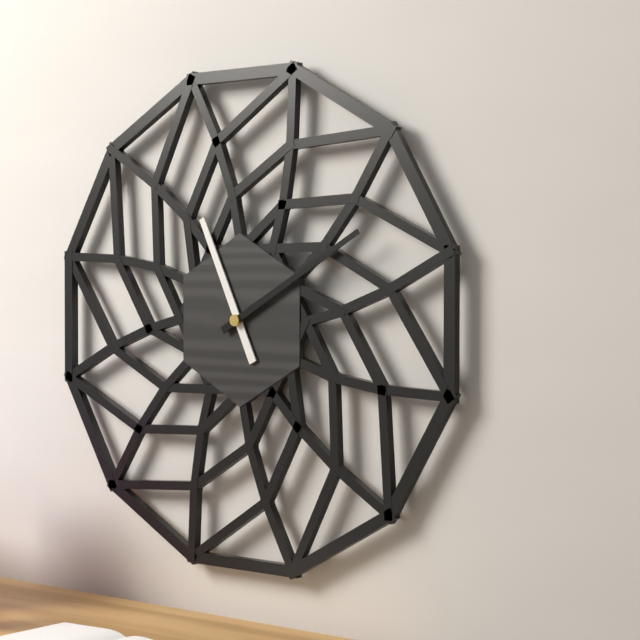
11:10
